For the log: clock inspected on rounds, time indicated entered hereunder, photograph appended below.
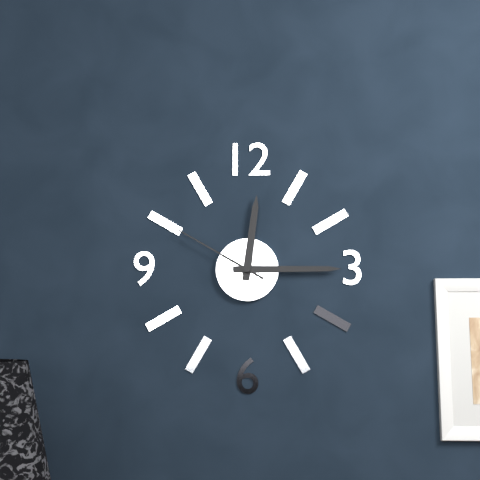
12:15:50
